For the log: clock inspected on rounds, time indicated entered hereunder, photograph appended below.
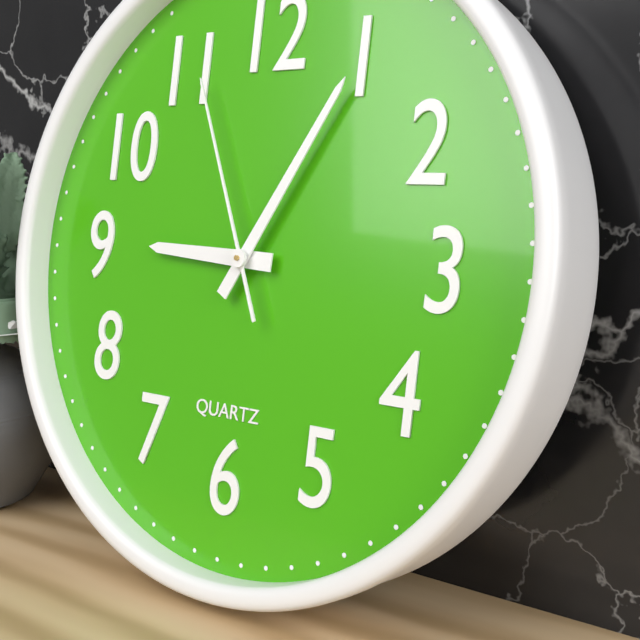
9:05:56
